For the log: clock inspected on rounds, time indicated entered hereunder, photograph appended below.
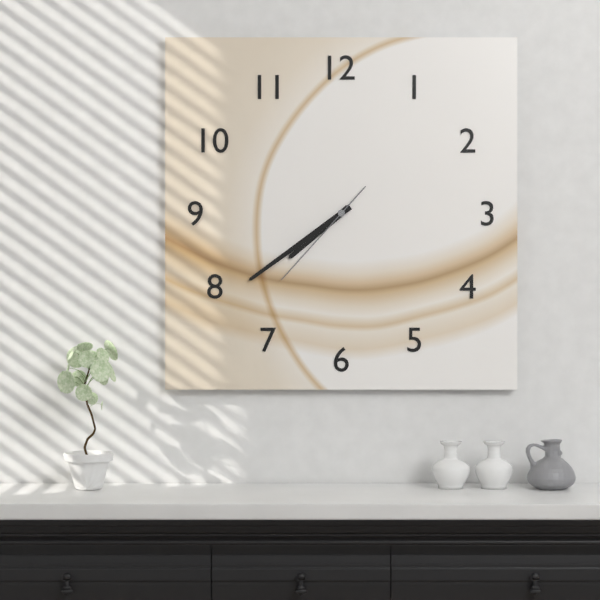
7:39:37
